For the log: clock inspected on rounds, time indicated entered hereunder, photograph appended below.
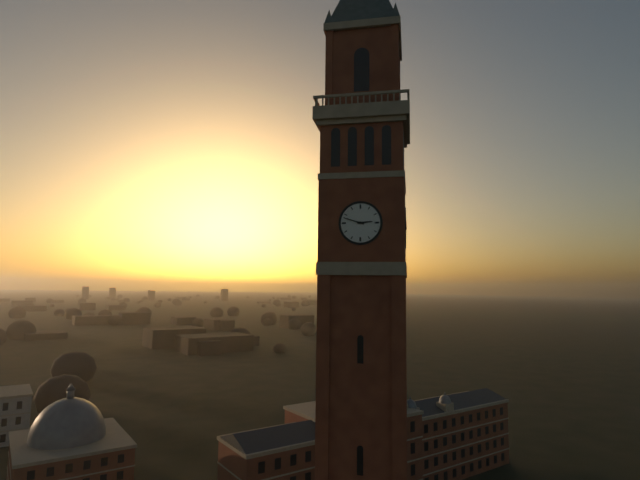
2:48
